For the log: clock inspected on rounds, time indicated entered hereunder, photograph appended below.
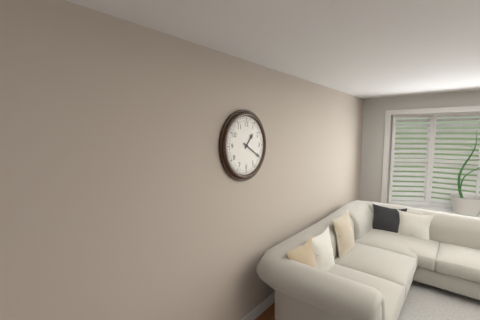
1:20
